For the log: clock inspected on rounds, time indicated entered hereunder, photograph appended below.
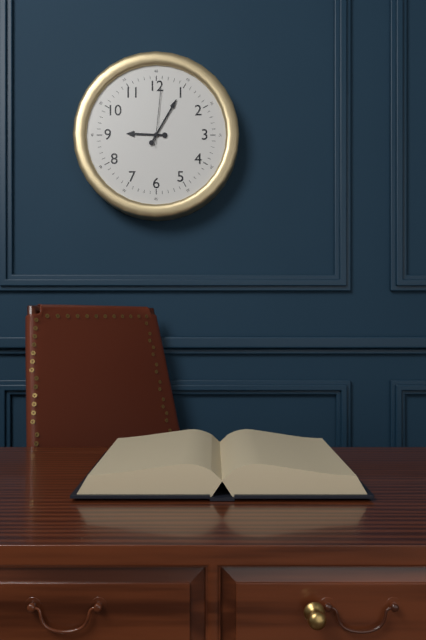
9:05:01
